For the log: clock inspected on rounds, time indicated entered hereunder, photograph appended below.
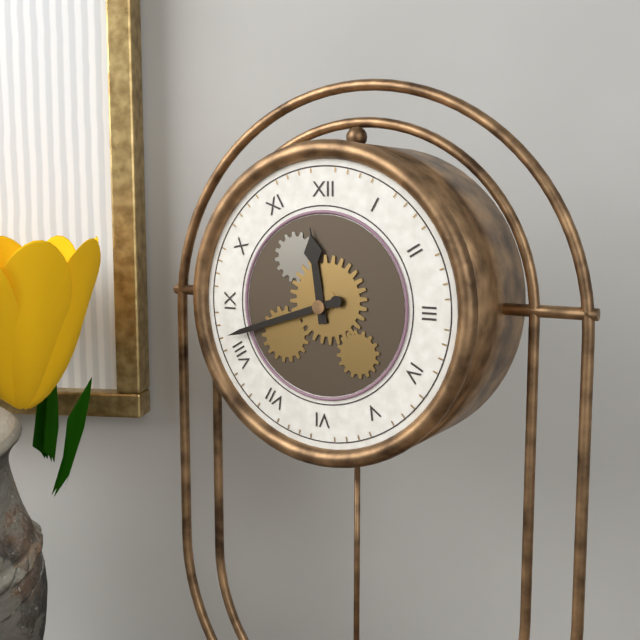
11:42
